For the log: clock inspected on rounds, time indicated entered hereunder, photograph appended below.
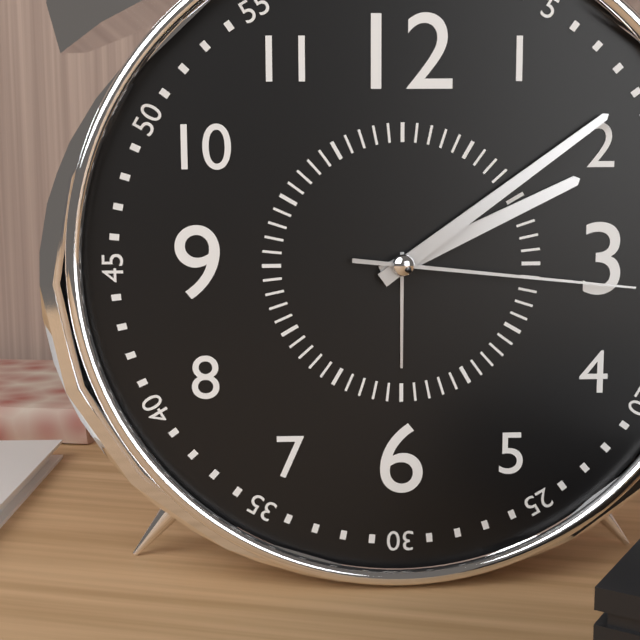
2:09:16
